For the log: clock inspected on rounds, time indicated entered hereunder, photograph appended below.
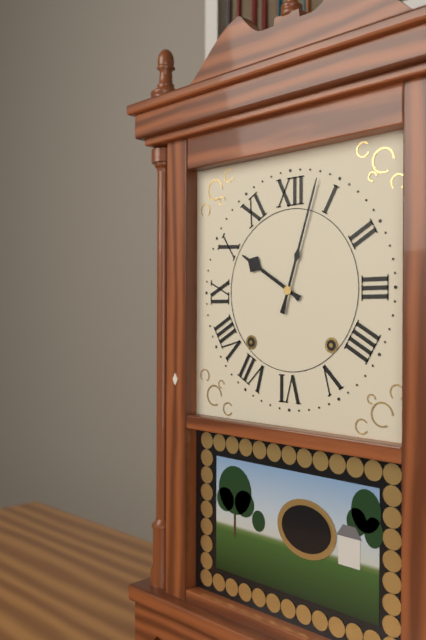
10:03
